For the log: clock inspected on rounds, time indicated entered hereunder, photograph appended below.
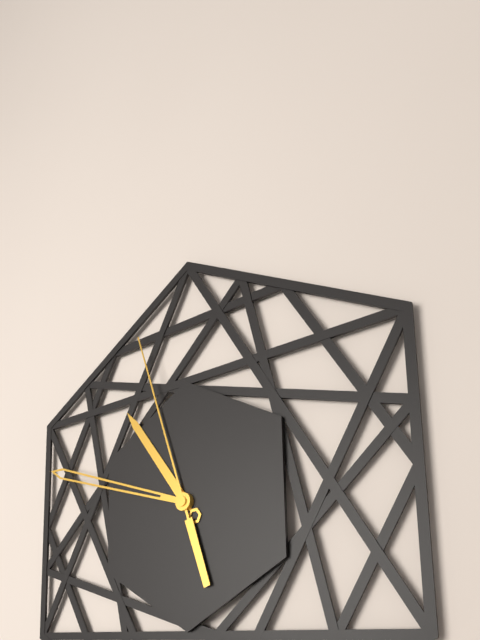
10:48:57
